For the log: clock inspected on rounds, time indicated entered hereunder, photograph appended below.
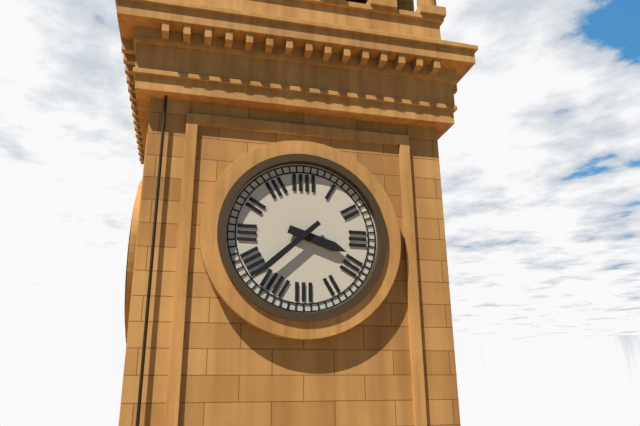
3:38
